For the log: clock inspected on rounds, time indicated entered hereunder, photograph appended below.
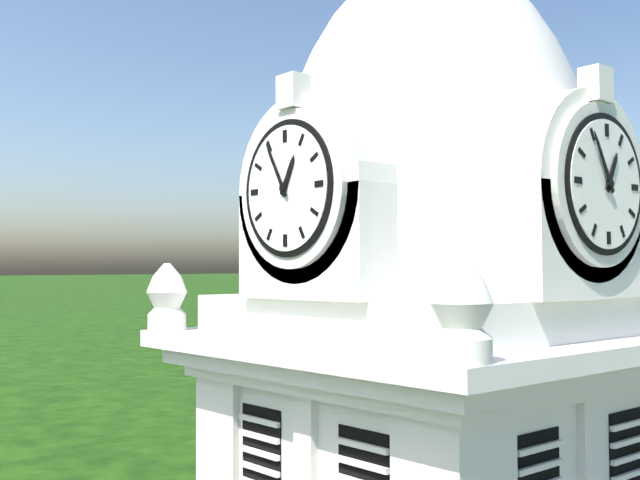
12:55
